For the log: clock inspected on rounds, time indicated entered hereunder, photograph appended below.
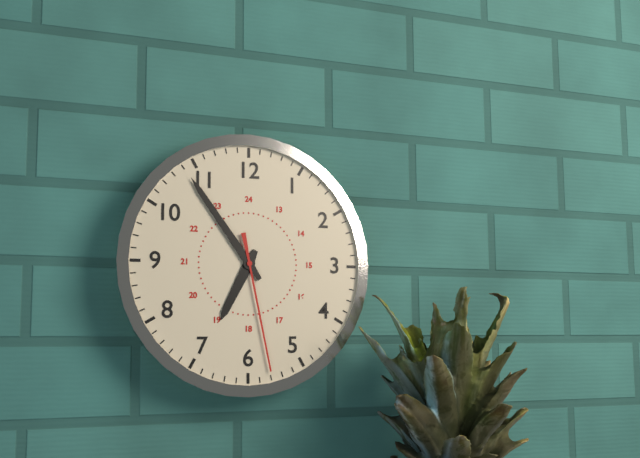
6:54:28
